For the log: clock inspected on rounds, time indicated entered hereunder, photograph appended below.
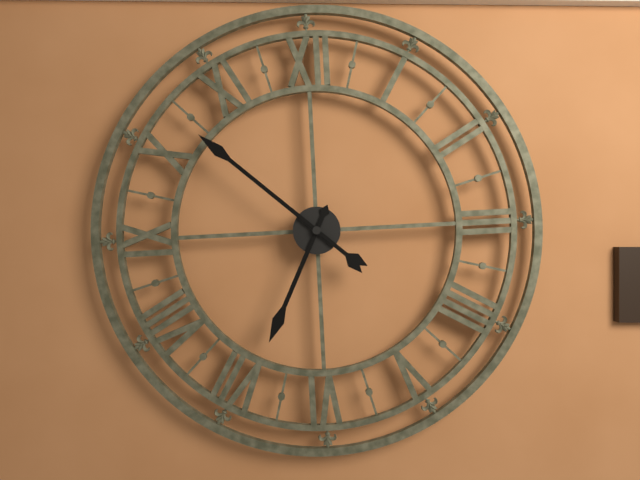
6:52
